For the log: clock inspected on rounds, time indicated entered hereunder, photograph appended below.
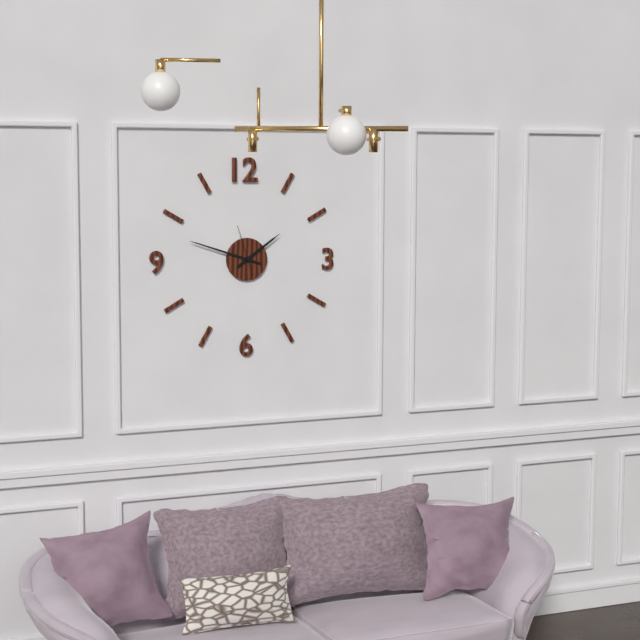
1:48
